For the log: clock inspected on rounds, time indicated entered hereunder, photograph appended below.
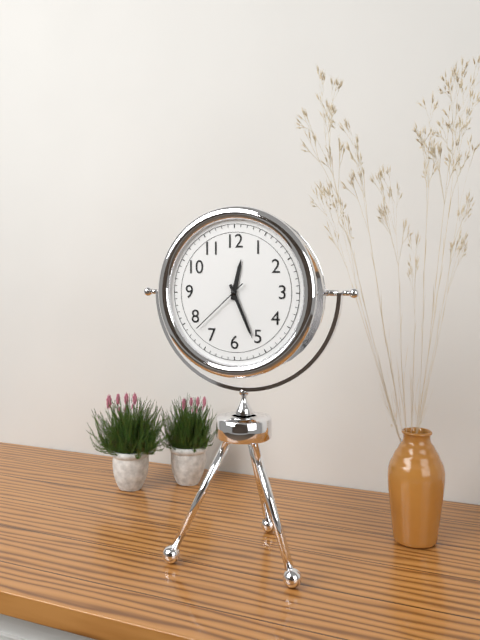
12:26:38
